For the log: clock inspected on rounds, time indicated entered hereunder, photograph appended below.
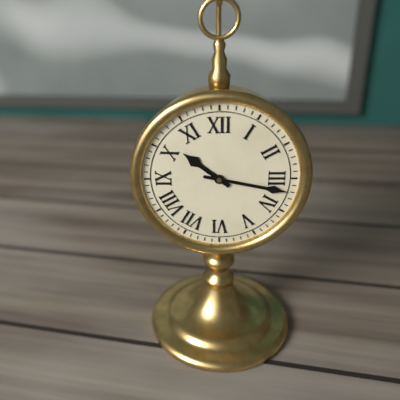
10:17
